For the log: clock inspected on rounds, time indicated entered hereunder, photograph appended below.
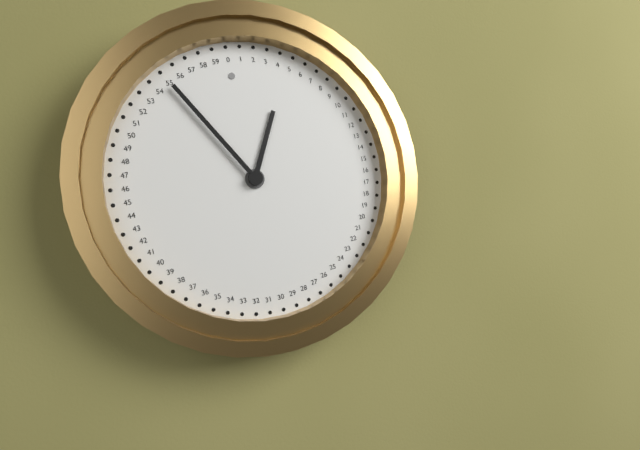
12:55
